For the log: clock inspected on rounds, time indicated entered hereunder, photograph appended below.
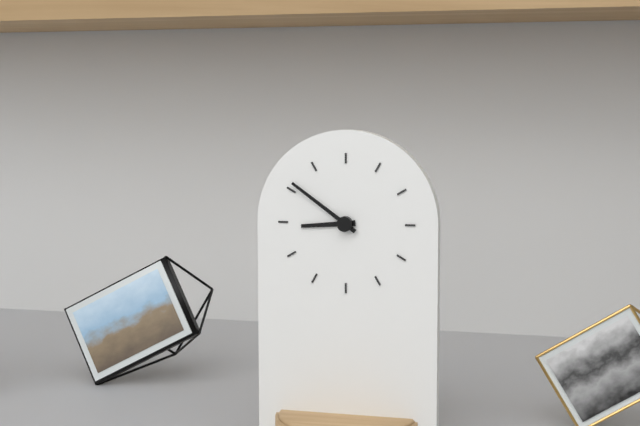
8:51
